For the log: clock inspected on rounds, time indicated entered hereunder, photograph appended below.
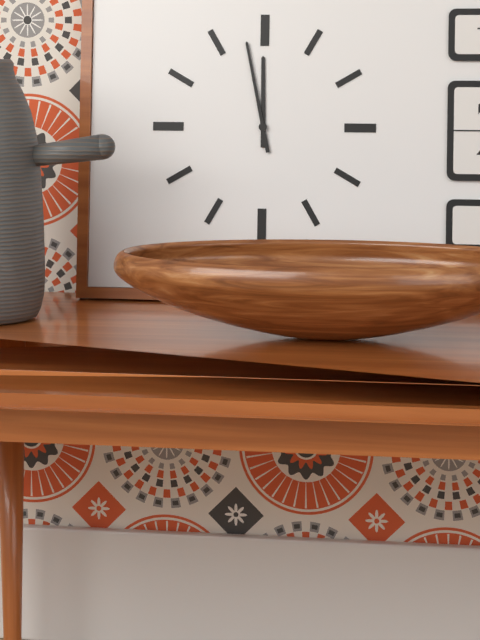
11:58
